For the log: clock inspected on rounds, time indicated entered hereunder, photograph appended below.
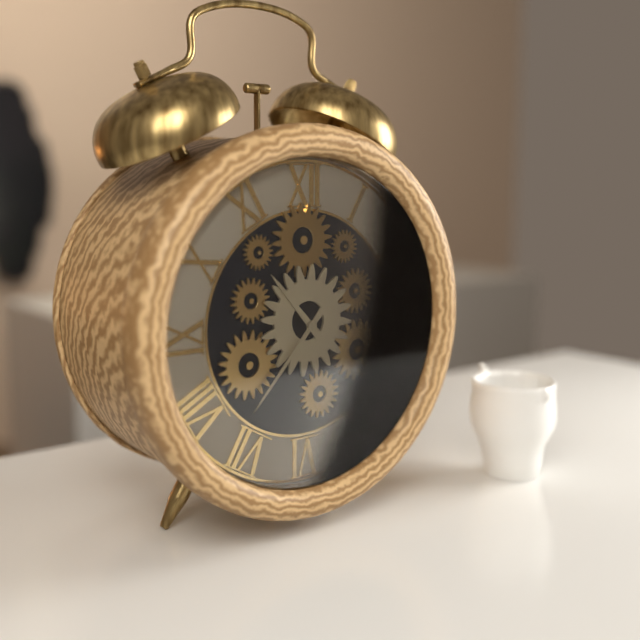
10:37
